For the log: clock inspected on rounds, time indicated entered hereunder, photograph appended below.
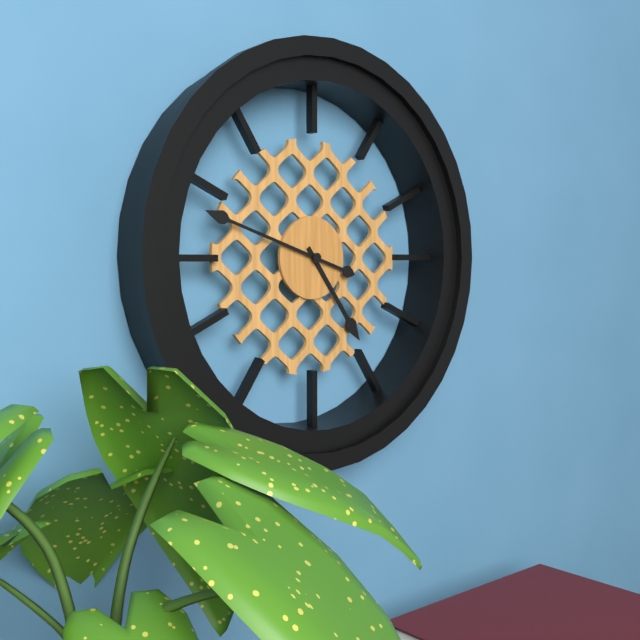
4:48
